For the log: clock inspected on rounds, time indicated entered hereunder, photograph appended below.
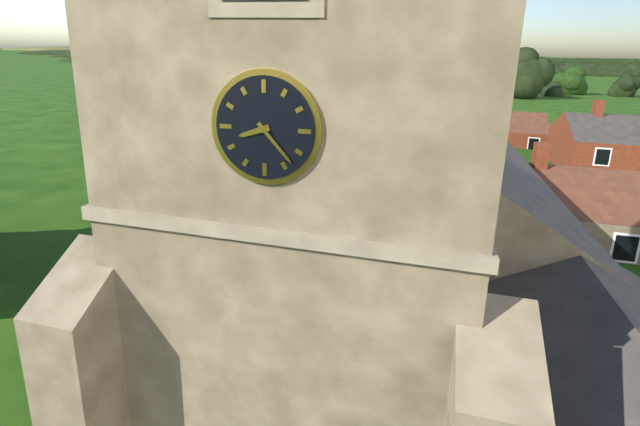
8:23
